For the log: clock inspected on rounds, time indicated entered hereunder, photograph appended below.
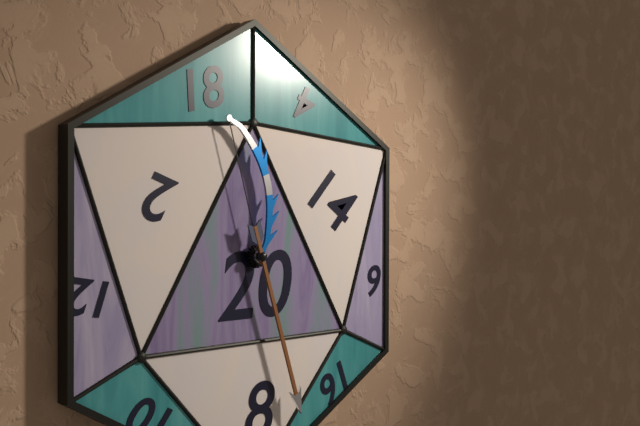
11:27
